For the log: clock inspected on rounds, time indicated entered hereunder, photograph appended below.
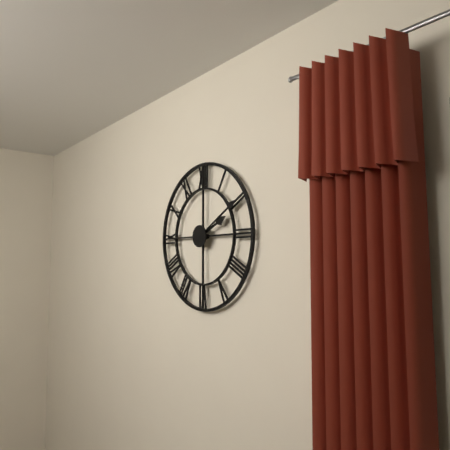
2:10
